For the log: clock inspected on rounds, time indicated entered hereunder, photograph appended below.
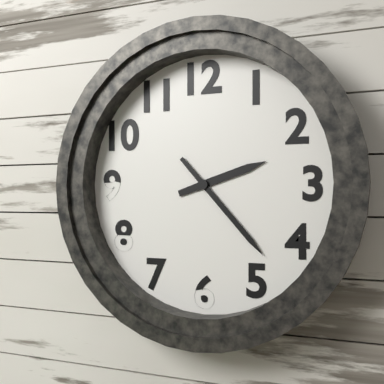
2:23
